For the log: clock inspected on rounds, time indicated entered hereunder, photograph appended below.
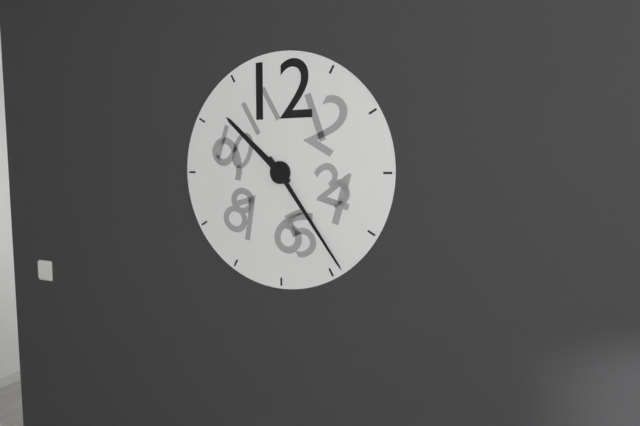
10:24
